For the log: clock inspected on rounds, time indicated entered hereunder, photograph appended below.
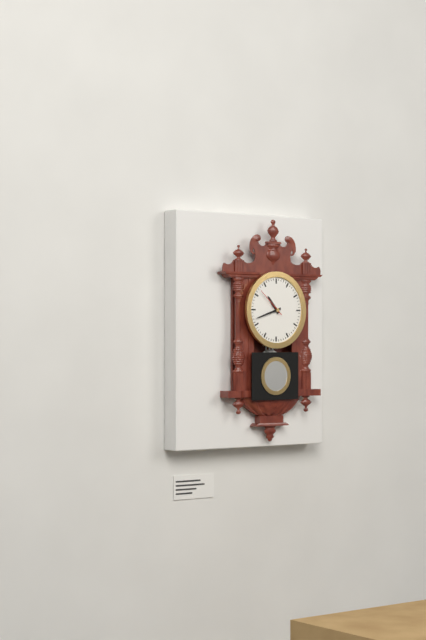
10:42
